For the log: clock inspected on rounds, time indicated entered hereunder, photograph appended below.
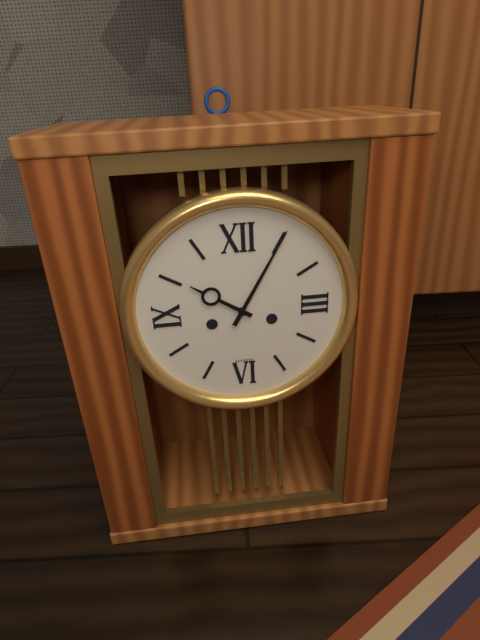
10:05
